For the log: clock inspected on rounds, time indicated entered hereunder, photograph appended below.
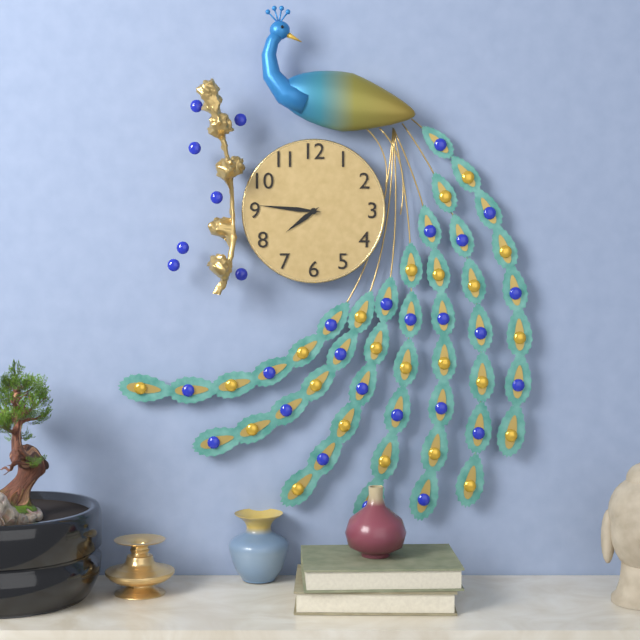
7:46
